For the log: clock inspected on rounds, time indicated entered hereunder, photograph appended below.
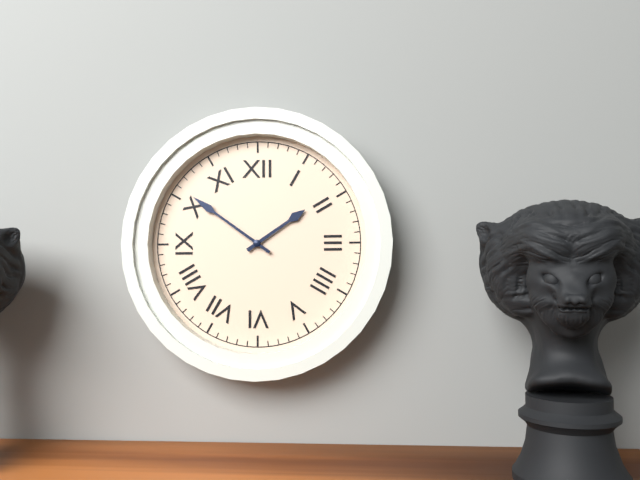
1:51
